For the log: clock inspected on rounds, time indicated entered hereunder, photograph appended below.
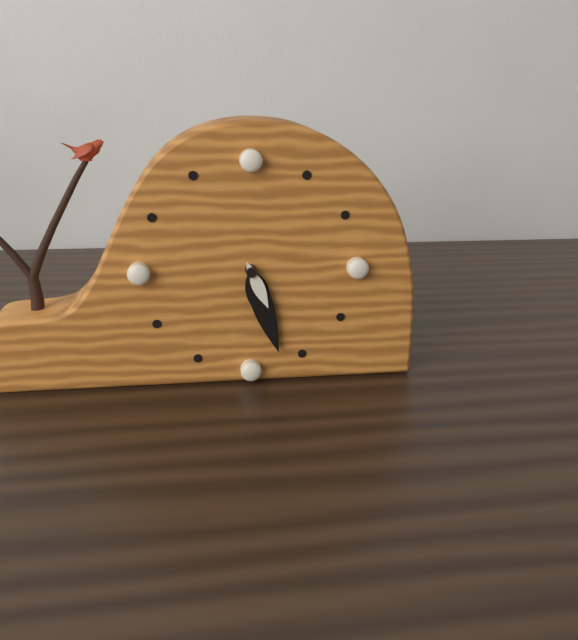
5:27:26
